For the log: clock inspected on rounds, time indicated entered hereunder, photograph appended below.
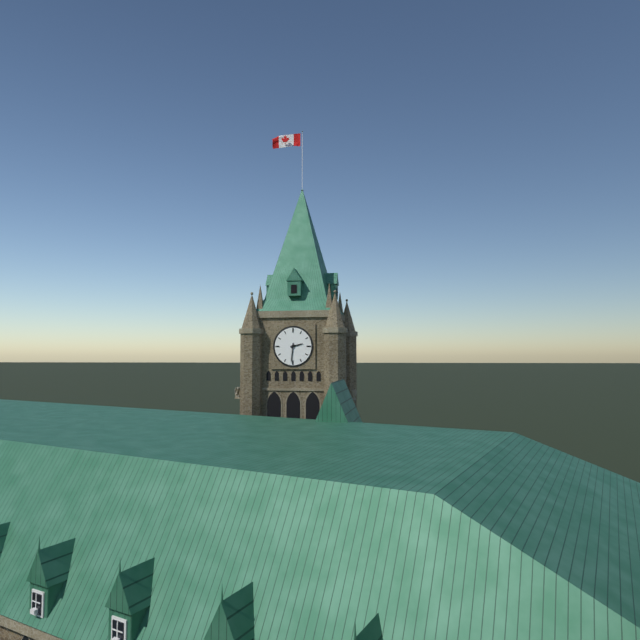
2:31
